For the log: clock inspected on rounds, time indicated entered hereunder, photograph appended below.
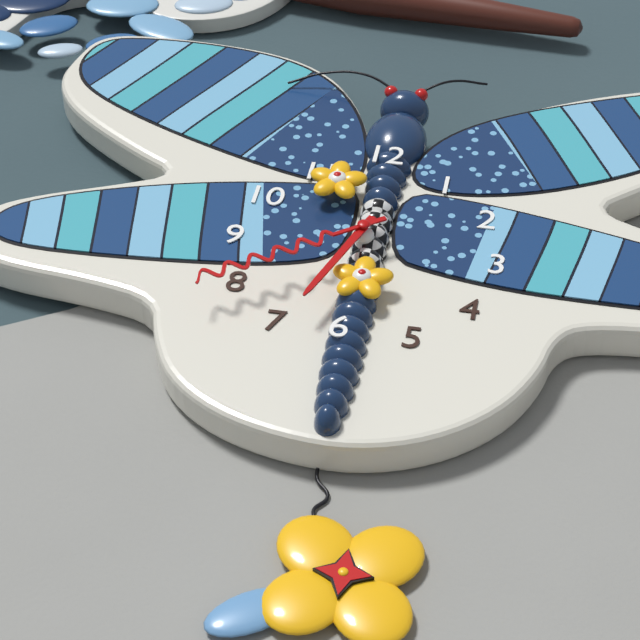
6:39
